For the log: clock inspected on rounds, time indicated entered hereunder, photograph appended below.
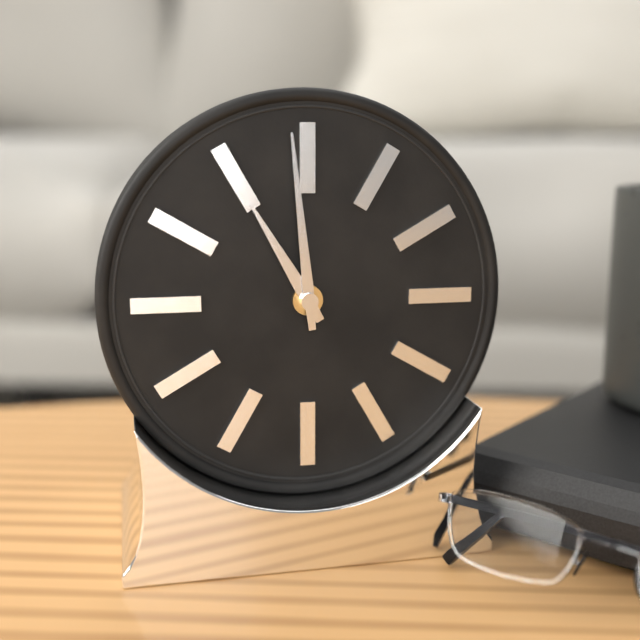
10:59
